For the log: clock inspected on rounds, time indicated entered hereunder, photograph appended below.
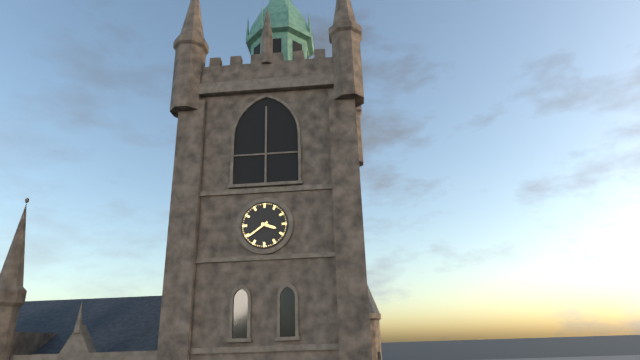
3:39
